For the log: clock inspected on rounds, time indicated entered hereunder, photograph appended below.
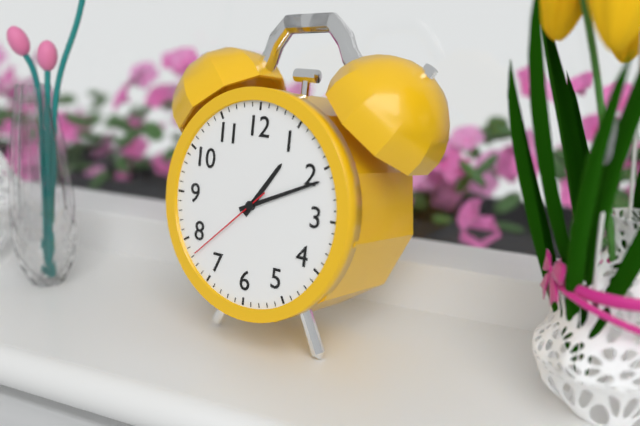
1:11:38
